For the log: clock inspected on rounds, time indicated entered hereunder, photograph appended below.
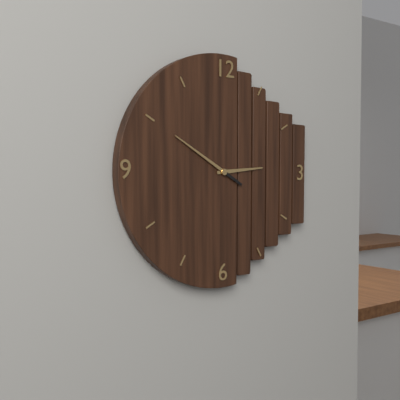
2:50
